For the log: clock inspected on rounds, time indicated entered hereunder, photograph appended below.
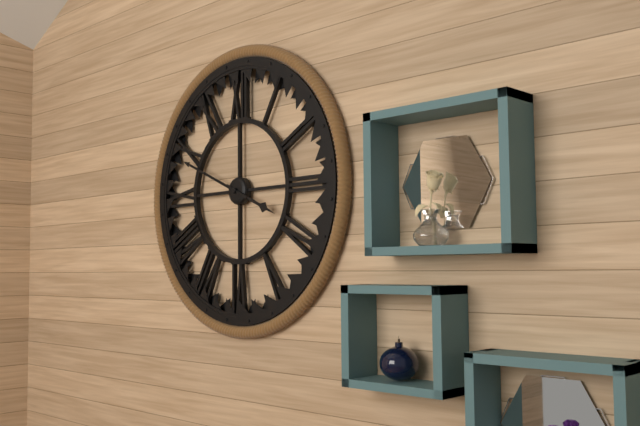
3:49
